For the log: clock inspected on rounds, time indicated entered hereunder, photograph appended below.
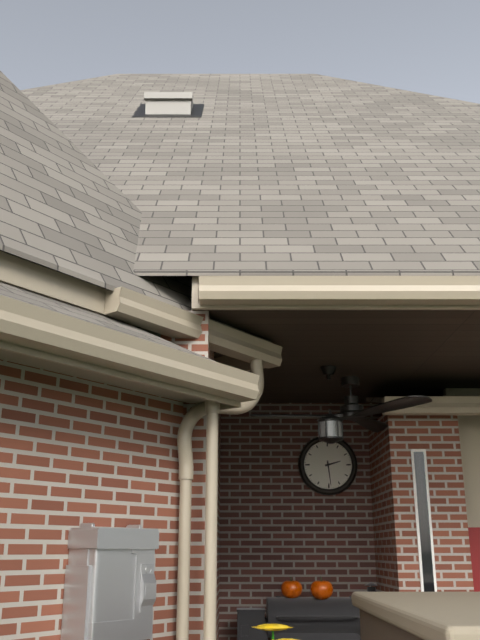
2:29
